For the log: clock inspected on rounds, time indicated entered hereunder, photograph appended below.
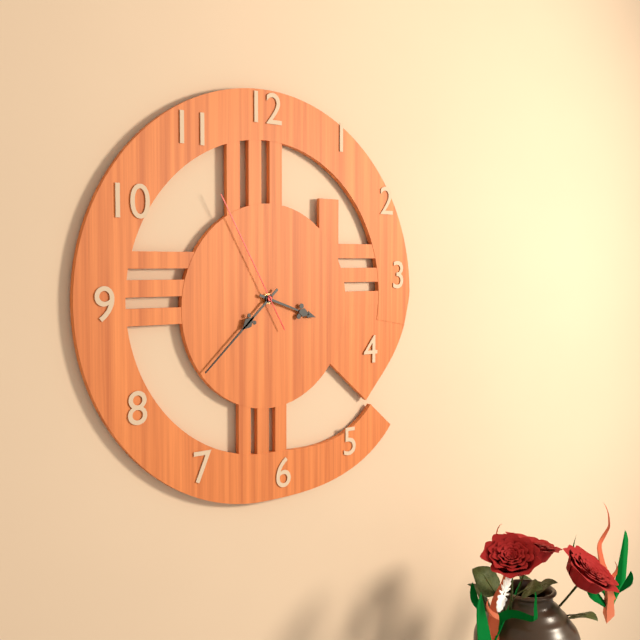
3:38:55
